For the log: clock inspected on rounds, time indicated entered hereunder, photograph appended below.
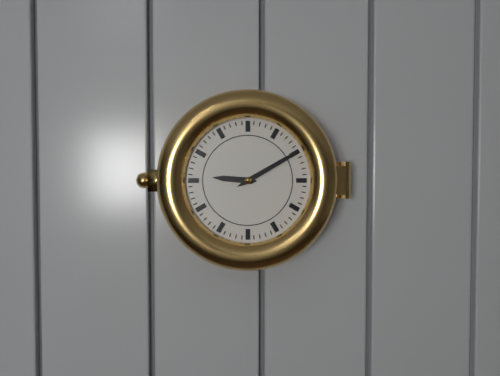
9:10
